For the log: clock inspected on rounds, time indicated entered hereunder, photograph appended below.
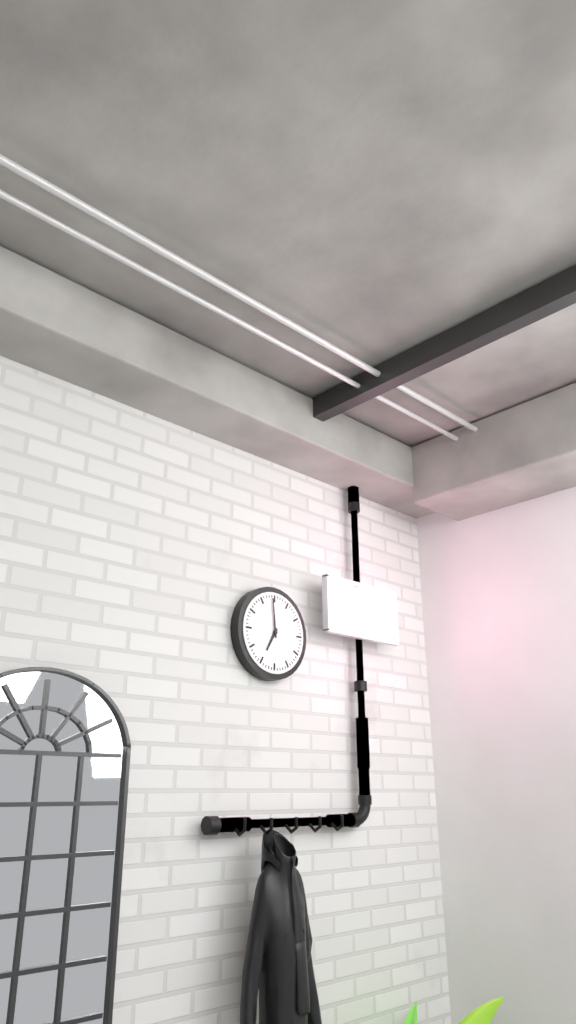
6:59
